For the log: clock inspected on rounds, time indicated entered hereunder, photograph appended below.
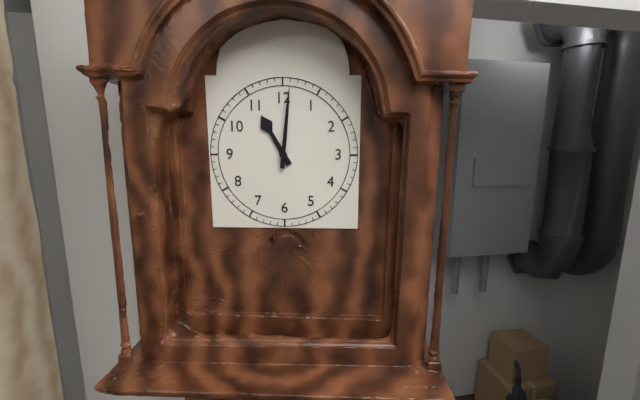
11:01
